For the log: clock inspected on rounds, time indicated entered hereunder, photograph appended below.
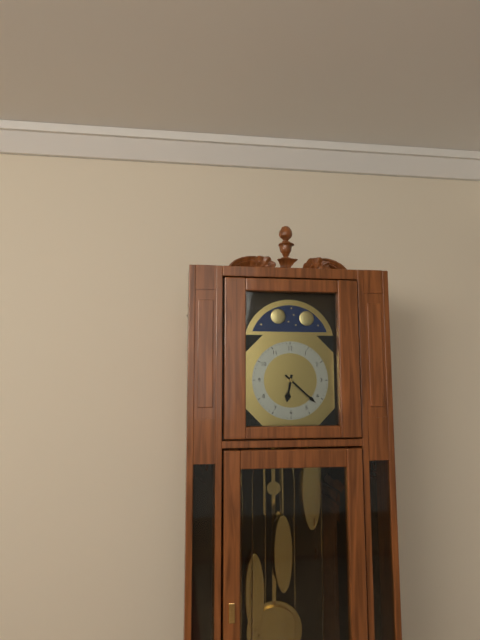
6:22
